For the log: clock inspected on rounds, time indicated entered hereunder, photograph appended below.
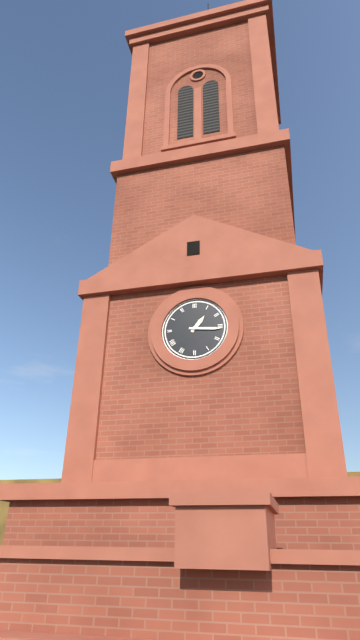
1:16
